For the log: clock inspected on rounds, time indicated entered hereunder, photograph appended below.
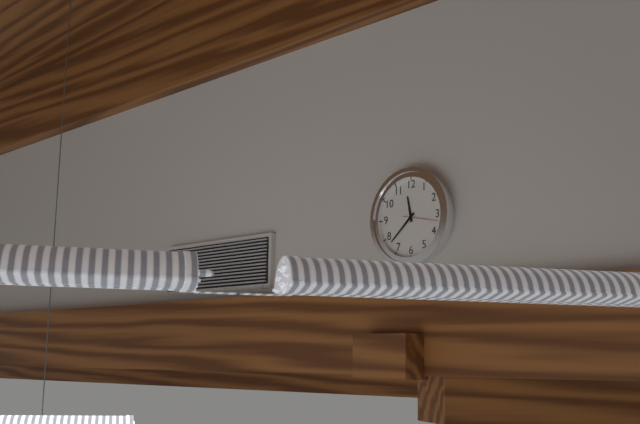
11:38
